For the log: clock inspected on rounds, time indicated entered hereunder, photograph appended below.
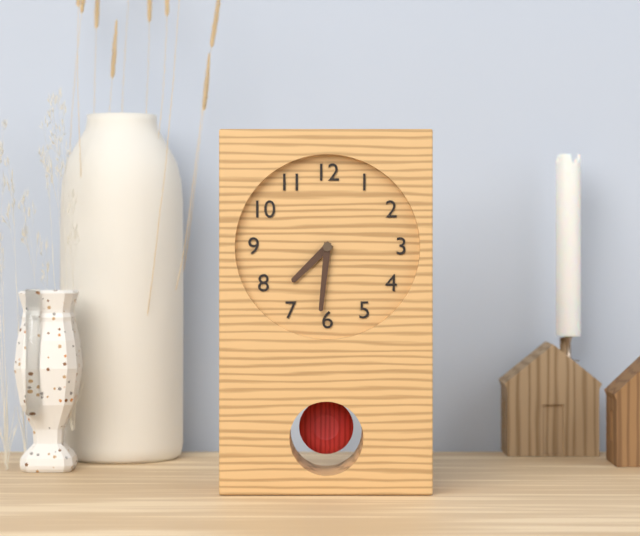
7:31
